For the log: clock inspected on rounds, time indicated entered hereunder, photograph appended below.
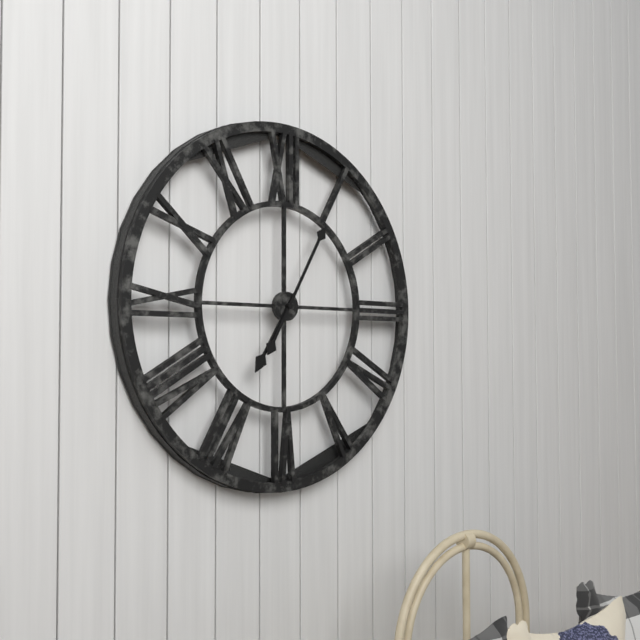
7:05
